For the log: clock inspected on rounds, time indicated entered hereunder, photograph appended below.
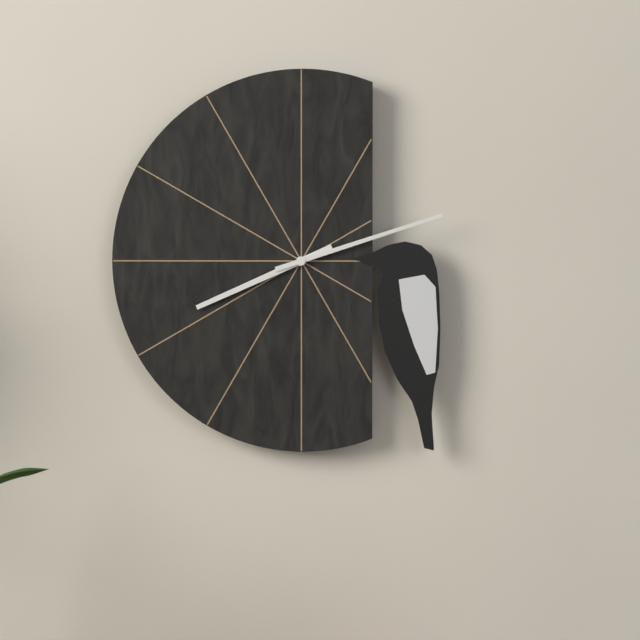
8:12
